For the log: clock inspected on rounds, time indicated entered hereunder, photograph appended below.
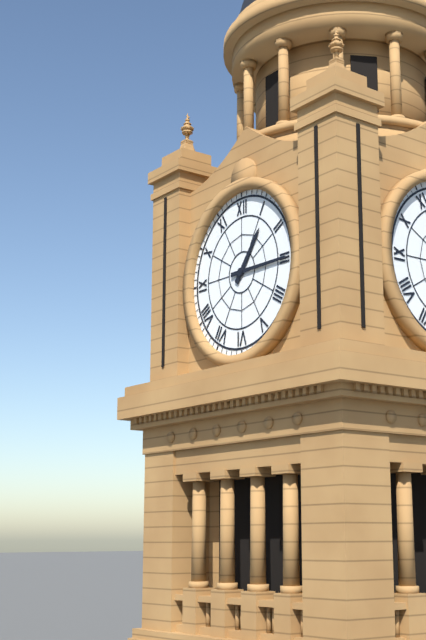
1:15
